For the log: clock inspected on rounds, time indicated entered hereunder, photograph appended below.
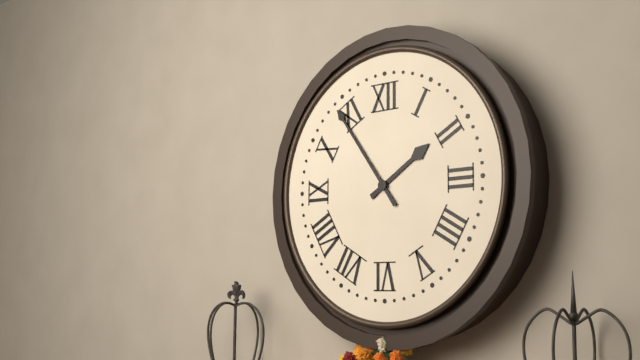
1:54
